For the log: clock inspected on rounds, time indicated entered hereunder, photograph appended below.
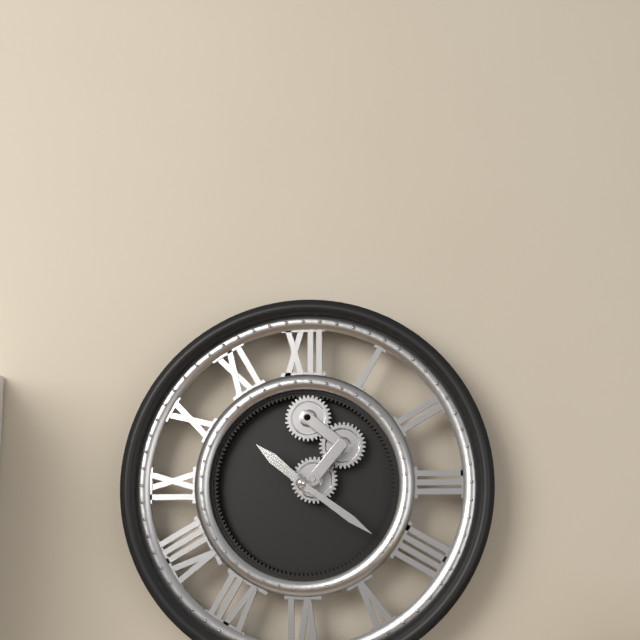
10:21
